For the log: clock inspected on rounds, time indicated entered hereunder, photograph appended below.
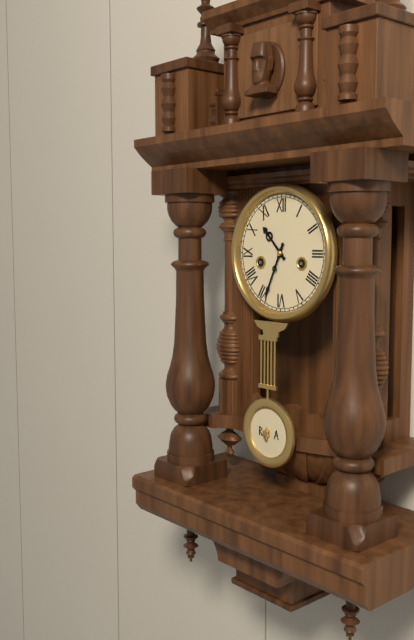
10:34
